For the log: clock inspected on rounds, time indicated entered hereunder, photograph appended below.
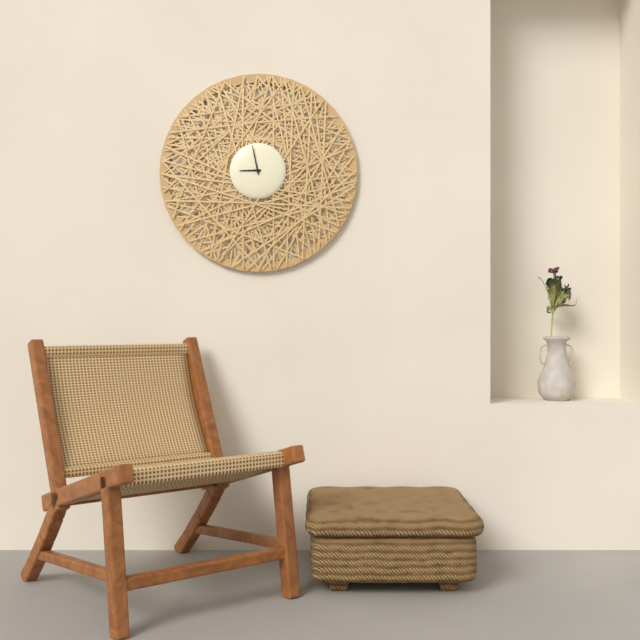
8:58
